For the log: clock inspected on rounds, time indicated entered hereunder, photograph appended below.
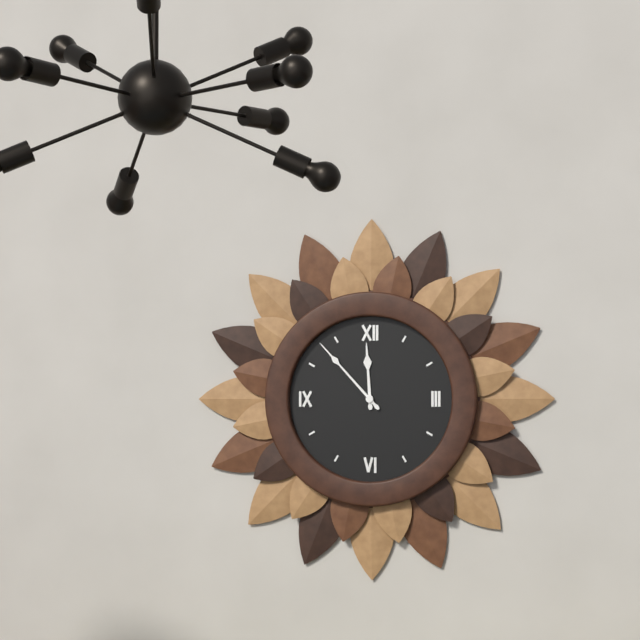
11:53
